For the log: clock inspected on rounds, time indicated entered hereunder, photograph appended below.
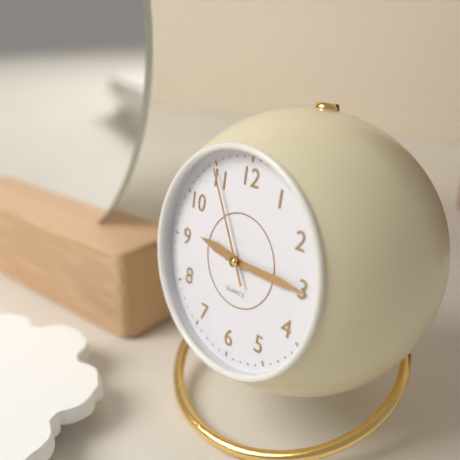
9:15:55
